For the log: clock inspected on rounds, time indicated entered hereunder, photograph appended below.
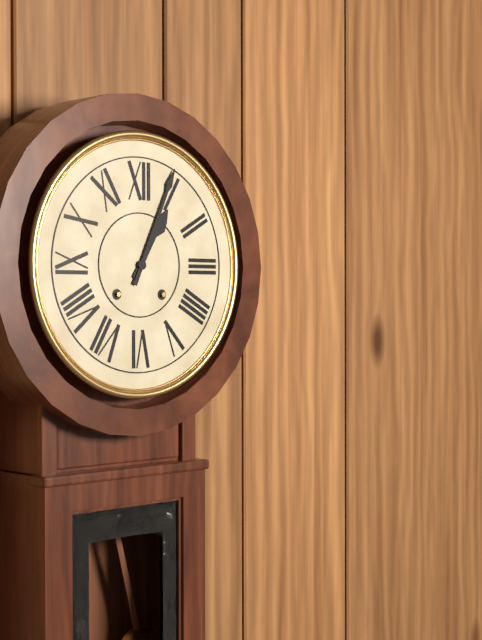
1:04
